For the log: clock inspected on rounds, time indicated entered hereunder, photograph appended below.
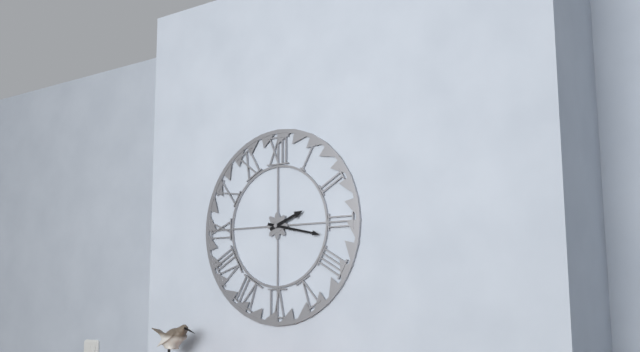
2:17
